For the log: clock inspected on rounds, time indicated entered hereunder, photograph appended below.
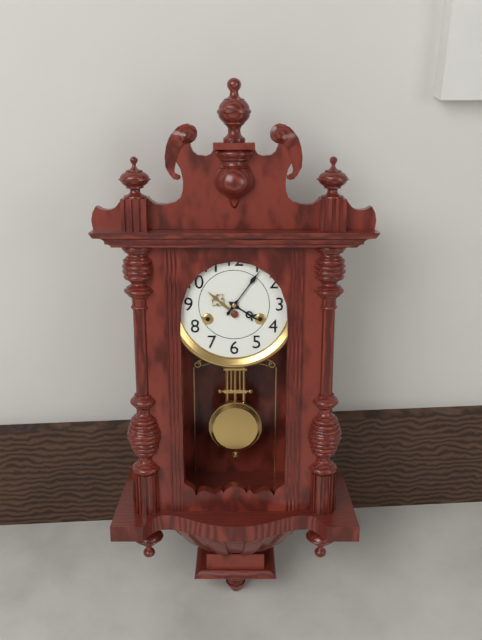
4:06
